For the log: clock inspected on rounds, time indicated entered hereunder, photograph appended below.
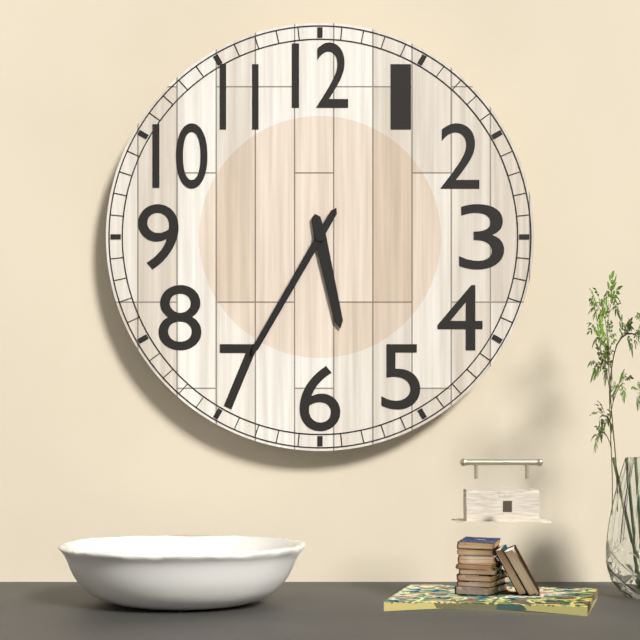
5:35
